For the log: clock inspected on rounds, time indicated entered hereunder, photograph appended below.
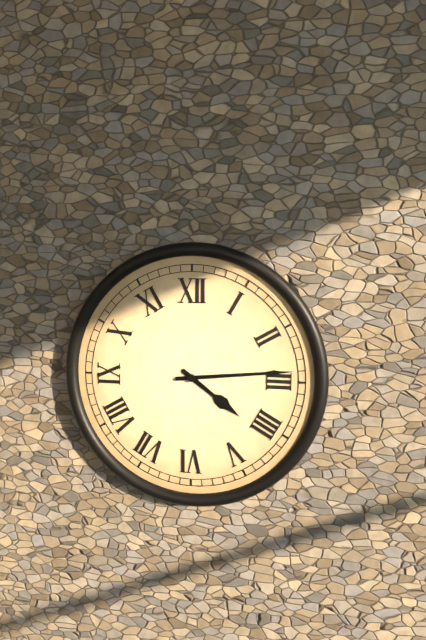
4:14
